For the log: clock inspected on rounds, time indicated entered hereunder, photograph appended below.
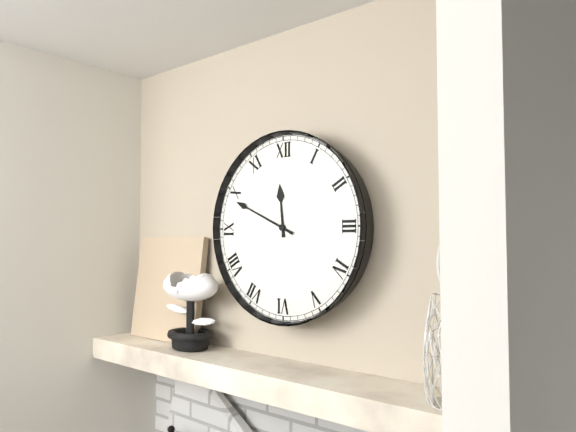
11:49
